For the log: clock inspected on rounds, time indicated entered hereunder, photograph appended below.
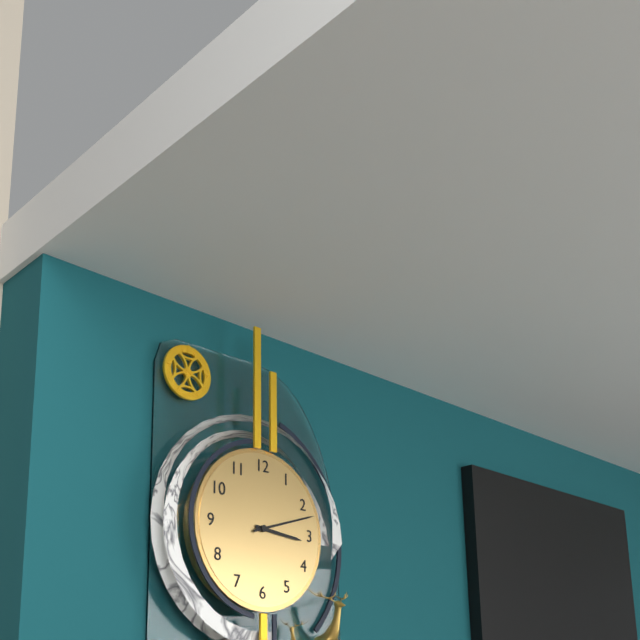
3:12
